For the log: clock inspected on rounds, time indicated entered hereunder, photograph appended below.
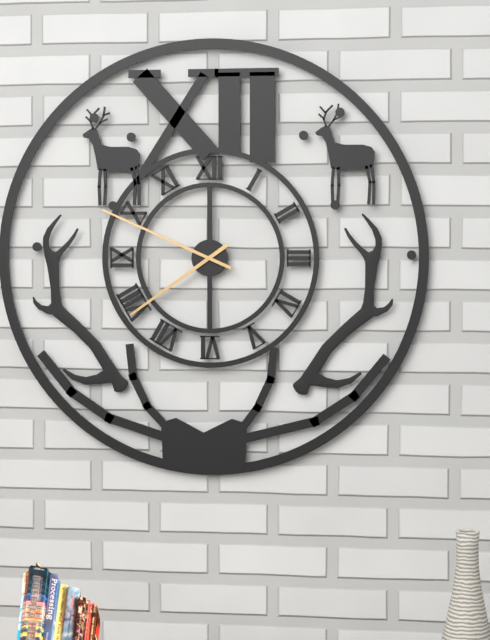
7:49
